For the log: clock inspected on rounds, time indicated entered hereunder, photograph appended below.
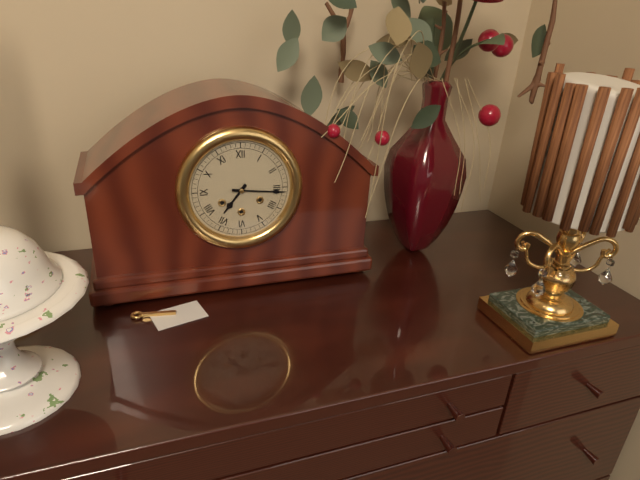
7:16
